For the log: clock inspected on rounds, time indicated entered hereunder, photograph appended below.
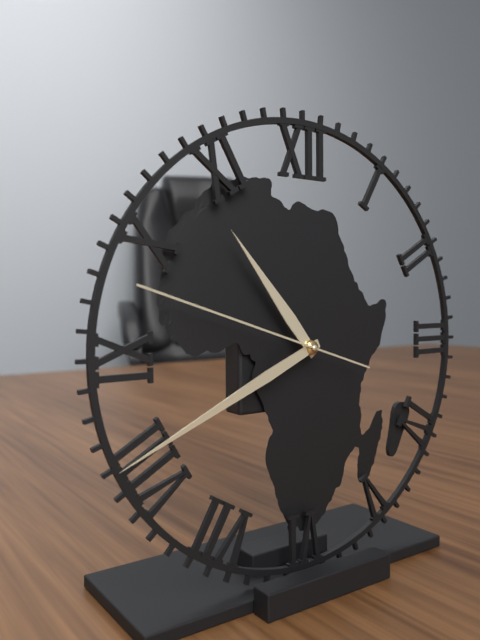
10:41:48
